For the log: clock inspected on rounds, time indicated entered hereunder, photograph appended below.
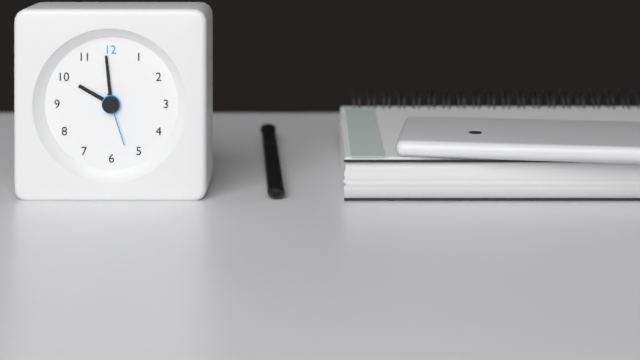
9:59:27
